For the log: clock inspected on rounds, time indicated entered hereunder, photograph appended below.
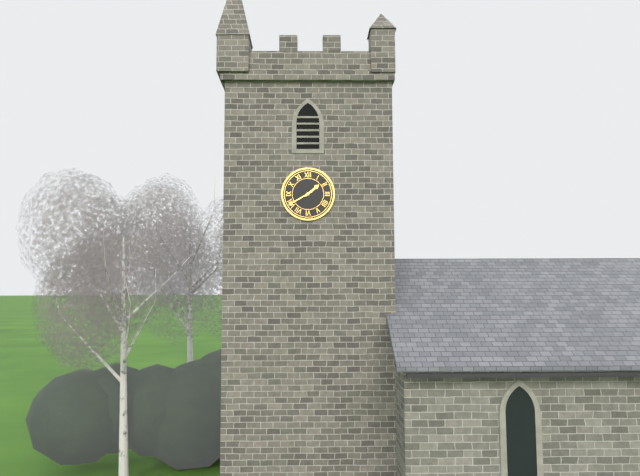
1:40
